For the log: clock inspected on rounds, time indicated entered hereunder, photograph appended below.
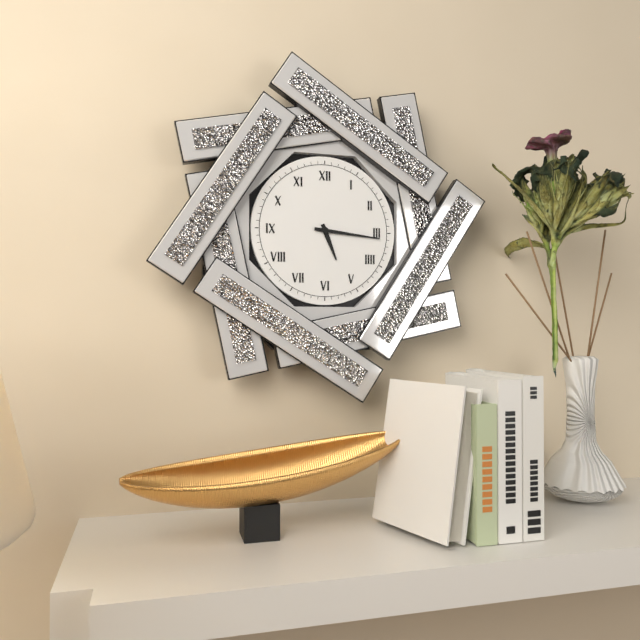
5:16
